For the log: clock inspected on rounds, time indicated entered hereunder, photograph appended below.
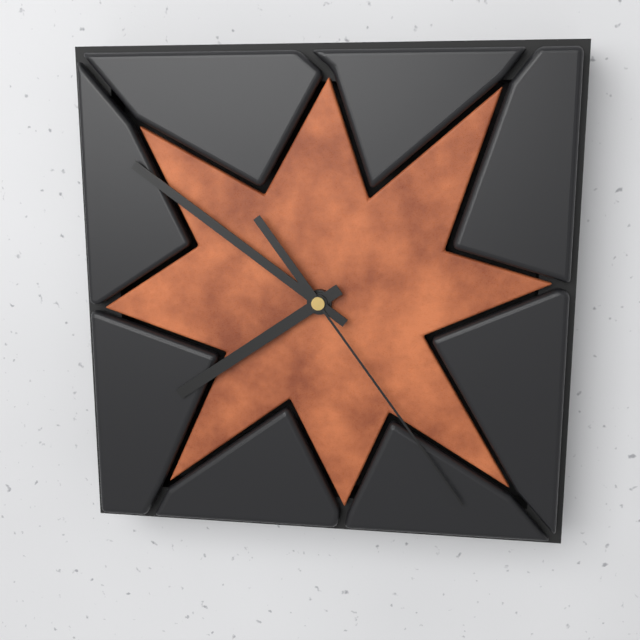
7:51:24
